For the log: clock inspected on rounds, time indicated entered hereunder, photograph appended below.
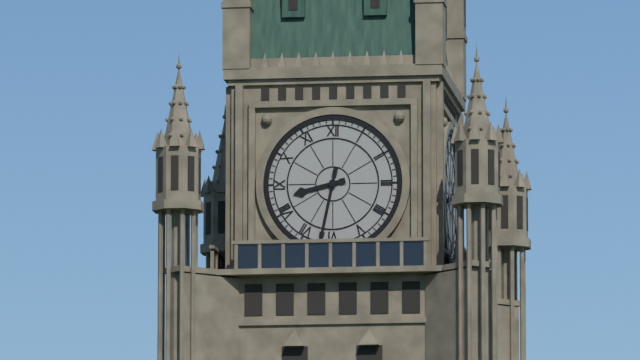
8:32
